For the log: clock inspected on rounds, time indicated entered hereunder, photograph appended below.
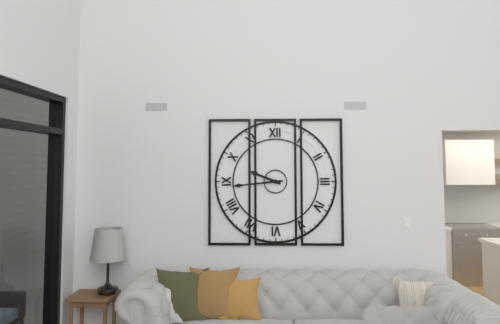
9:44
